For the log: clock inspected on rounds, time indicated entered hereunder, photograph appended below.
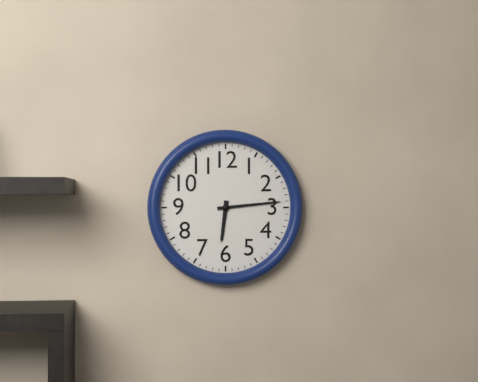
6:14
